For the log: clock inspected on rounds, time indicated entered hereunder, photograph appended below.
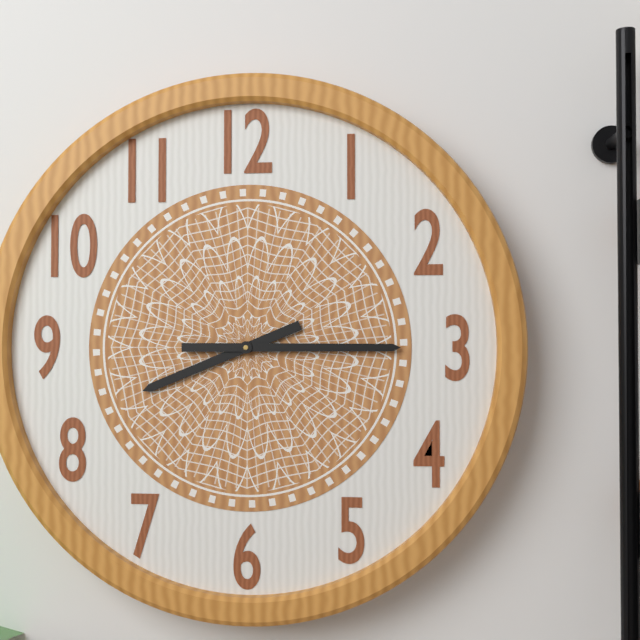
8:15
